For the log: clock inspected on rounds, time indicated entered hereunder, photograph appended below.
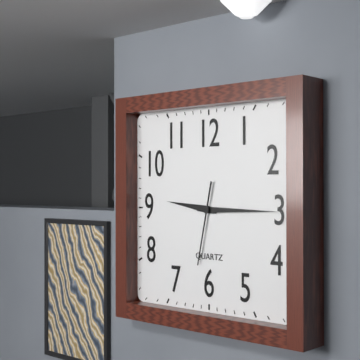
9:15:32
